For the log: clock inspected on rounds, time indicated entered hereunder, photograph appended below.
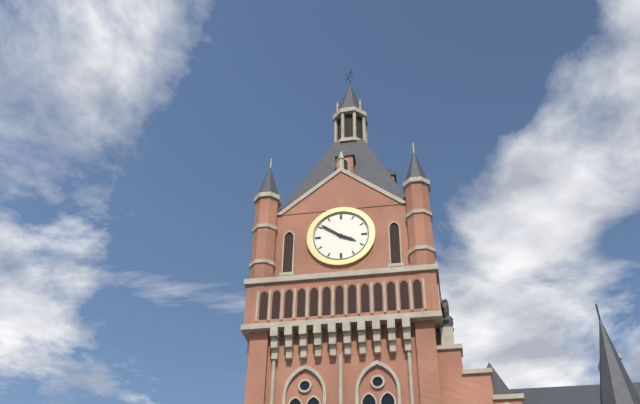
3:51
